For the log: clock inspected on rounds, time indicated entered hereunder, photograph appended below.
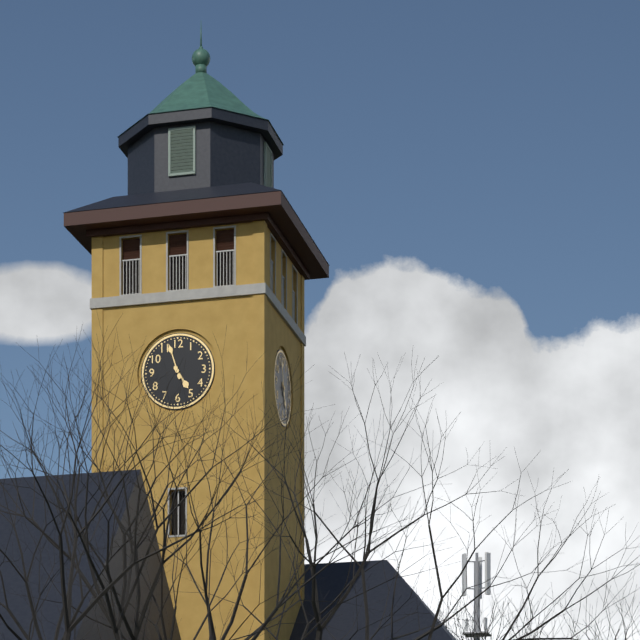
4:57
